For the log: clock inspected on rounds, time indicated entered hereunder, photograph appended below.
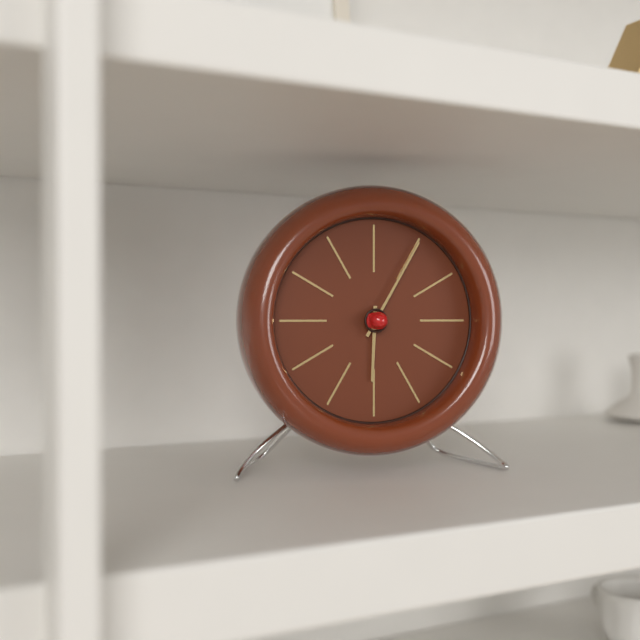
6:05
